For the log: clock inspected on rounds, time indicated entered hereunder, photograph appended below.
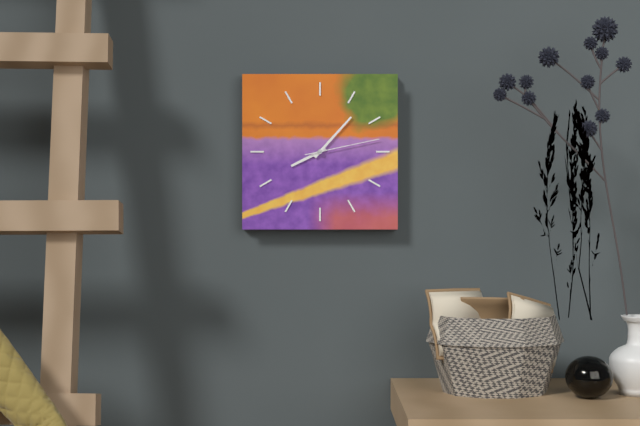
8:07:13
